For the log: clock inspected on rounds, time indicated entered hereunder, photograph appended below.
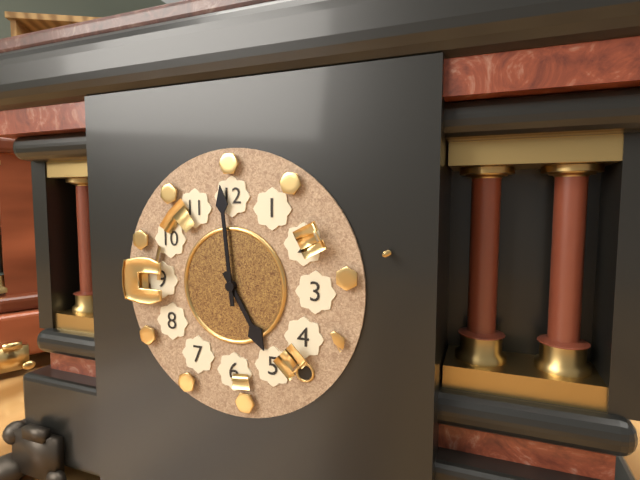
4:59
